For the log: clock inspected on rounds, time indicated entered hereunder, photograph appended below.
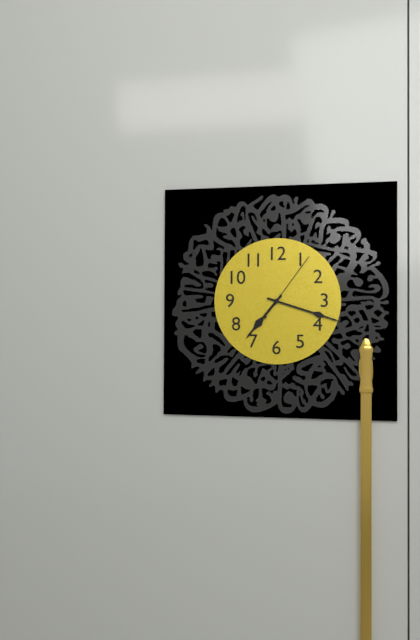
7:18:06
